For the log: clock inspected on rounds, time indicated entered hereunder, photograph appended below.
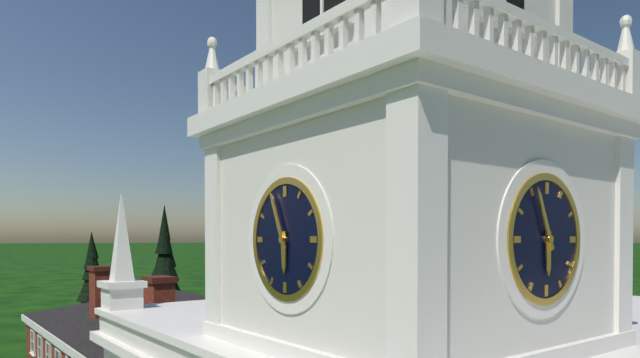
5:56
